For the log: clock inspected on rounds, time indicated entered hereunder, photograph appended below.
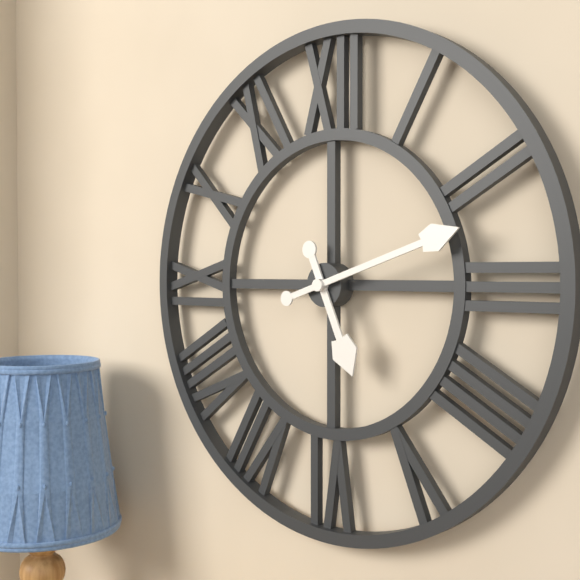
5:12
